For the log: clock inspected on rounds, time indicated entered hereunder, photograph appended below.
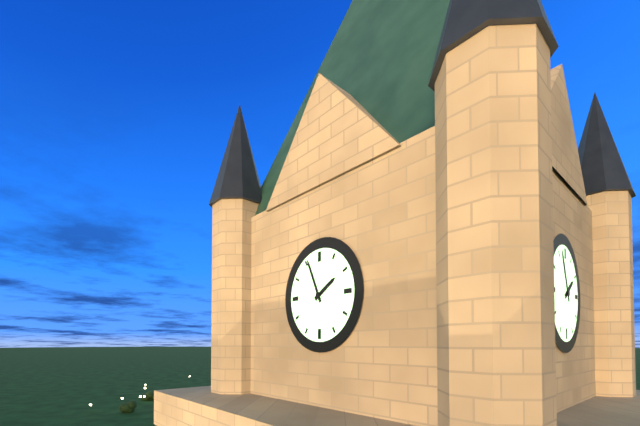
1:56
